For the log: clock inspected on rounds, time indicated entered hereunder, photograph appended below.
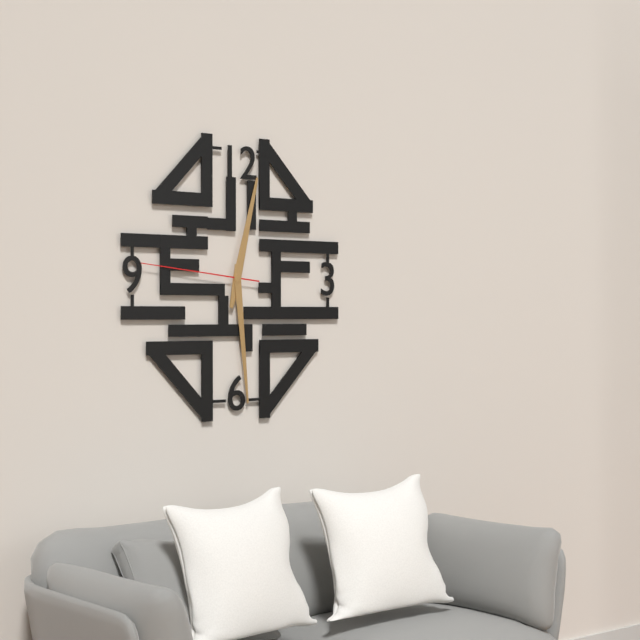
12:29:46
